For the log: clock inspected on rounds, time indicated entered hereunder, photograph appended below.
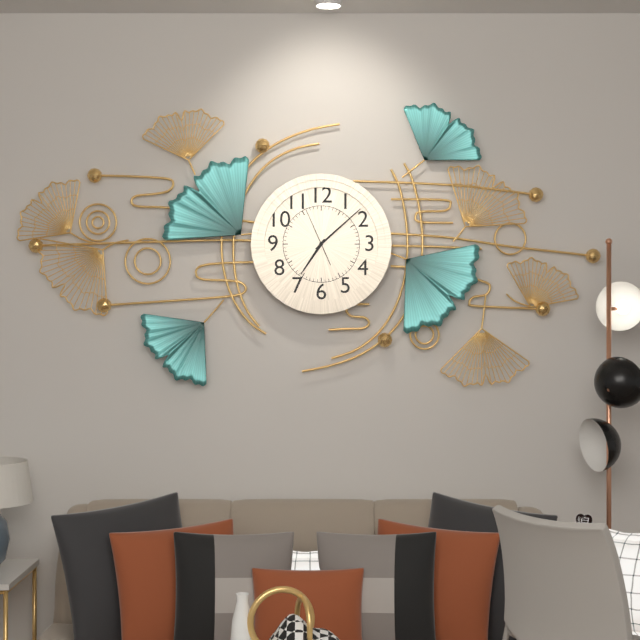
7:08
